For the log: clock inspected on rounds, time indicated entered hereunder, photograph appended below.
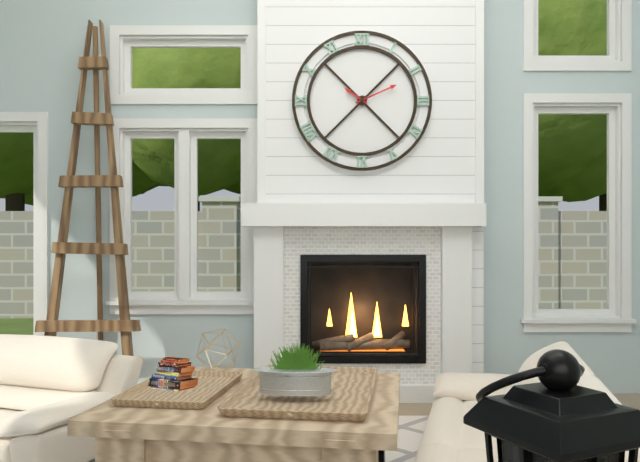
10:11
